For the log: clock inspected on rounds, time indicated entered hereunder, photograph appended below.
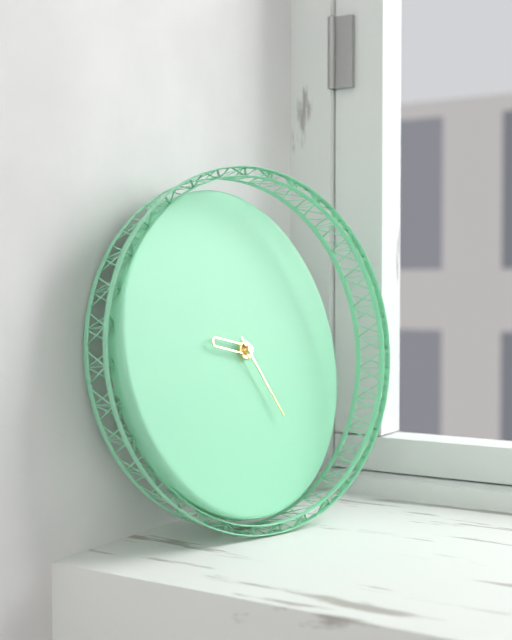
9:25
